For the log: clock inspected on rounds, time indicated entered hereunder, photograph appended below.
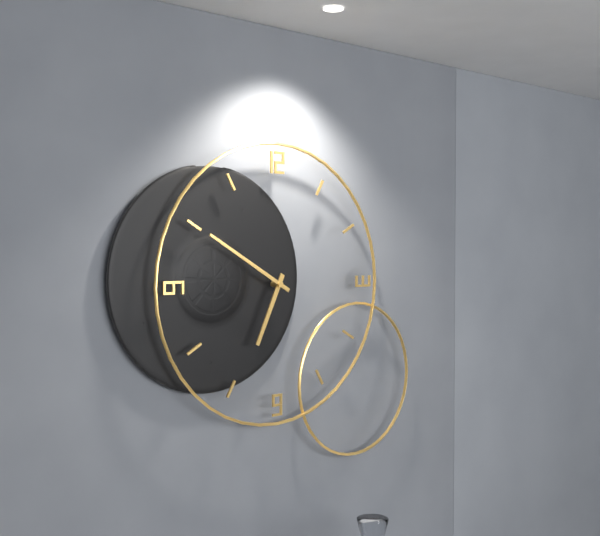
6:50
